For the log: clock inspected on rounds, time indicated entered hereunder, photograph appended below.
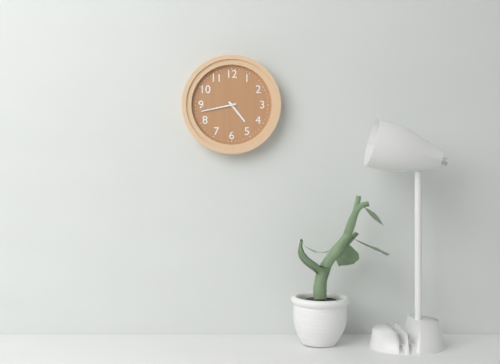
4:43
